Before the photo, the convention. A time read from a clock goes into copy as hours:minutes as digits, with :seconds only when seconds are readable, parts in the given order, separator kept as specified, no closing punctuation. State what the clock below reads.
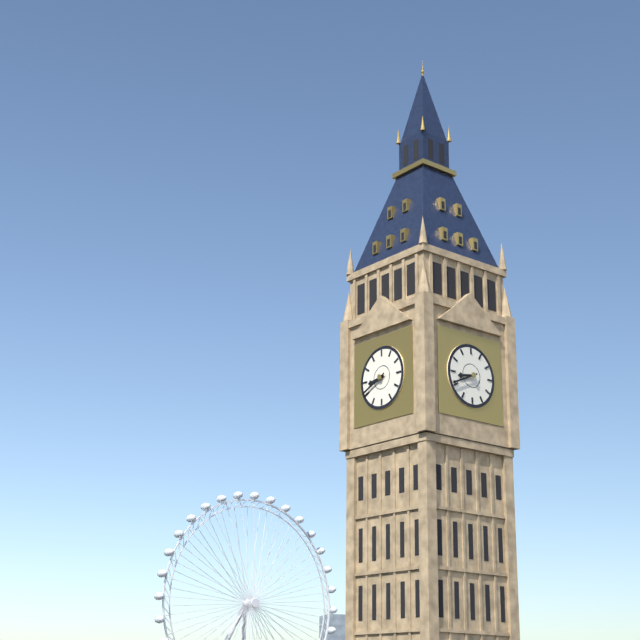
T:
8:41
